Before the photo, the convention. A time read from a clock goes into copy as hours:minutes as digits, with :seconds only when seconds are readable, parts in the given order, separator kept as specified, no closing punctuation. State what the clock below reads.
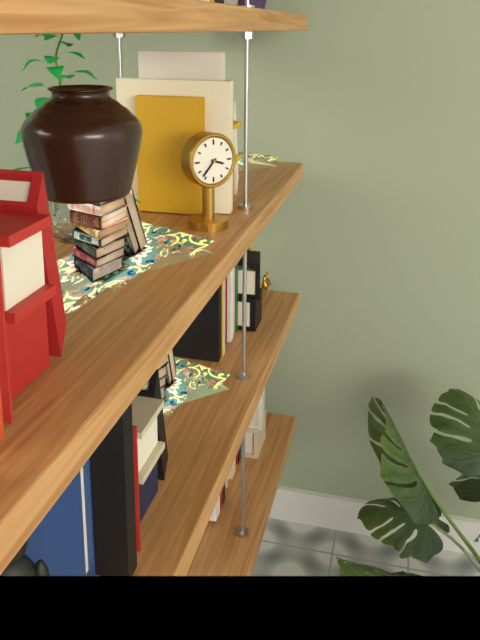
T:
3:37
